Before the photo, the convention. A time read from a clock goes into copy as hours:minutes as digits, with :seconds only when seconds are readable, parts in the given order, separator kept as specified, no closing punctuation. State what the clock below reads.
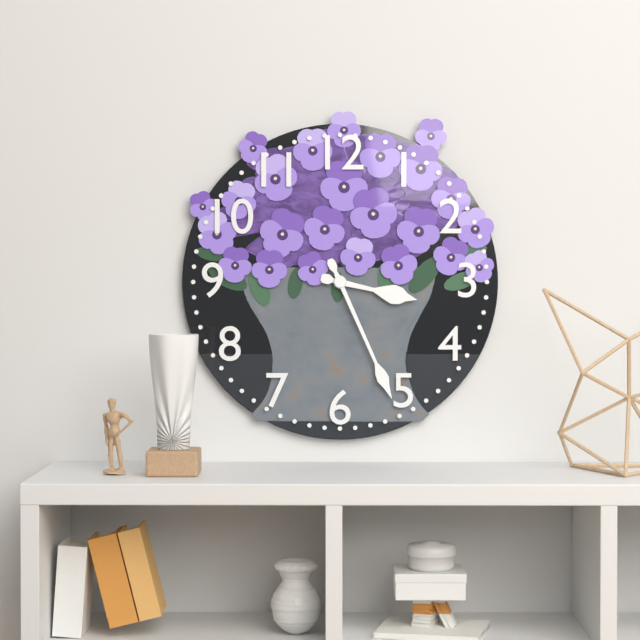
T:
3:26
